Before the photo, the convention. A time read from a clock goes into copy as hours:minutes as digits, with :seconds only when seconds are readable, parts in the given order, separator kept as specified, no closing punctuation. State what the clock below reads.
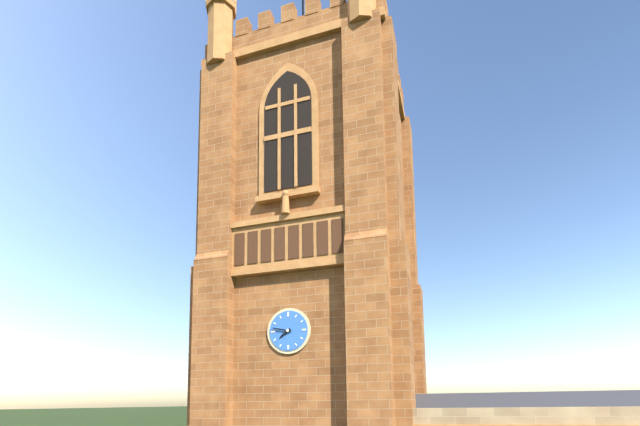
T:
7:47
